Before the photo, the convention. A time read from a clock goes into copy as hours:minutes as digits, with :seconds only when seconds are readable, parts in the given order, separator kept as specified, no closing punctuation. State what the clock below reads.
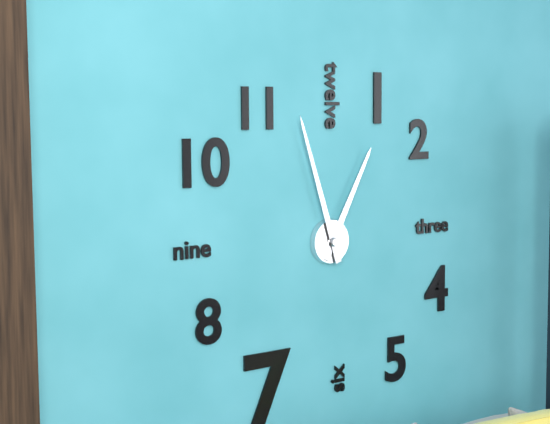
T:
12:57
